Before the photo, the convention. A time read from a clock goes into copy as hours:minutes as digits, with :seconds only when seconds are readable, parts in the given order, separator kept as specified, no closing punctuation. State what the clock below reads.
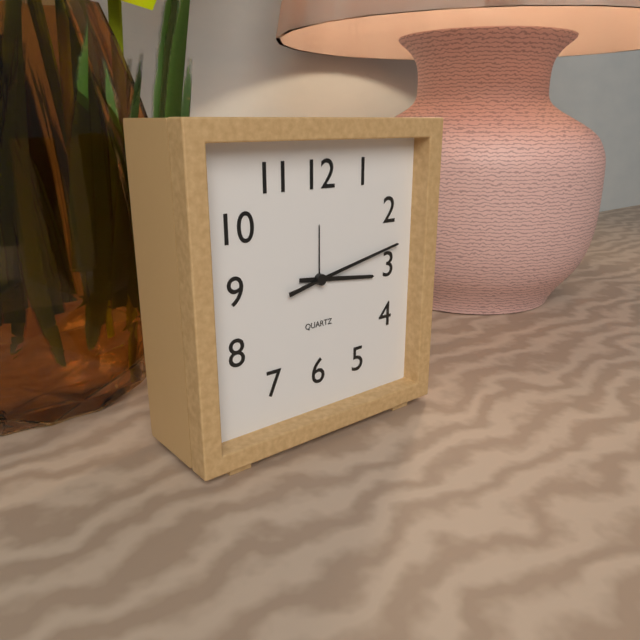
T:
3:13:13
